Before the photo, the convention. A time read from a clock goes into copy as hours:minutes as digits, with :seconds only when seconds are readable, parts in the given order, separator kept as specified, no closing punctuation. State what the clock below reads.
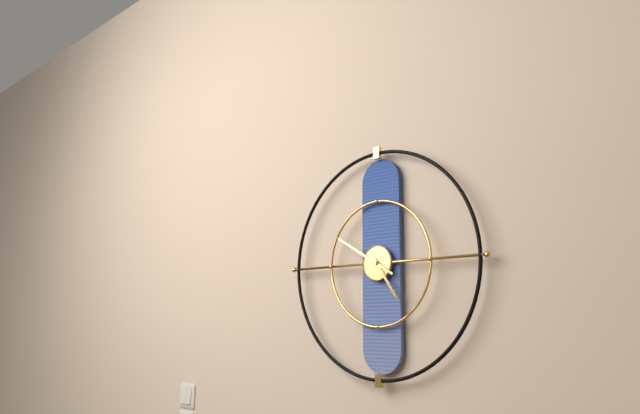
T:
4:50
